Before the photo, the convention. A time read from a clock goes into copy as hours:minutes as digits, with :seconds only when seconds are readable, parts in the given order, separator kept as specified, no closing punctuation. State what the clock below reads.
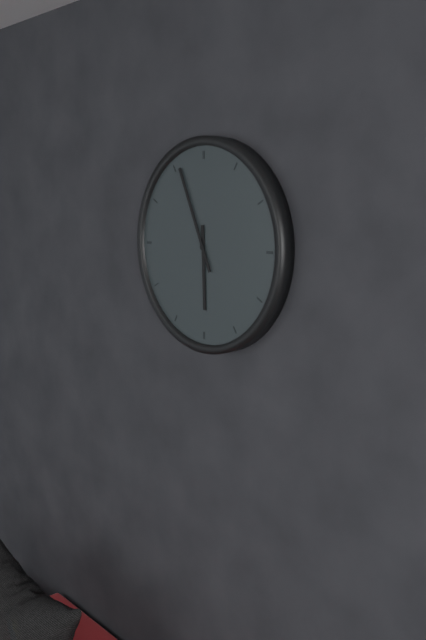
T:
5:56
